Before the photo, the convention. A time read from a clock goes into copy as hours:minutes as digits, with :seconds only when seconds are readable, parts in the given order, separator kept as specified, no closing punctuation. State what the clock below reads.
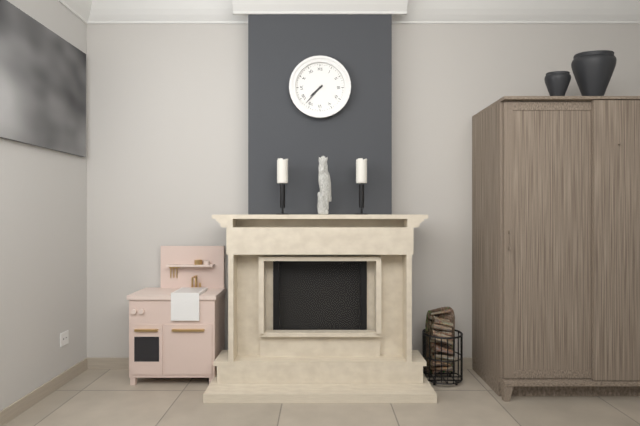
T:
7:37
